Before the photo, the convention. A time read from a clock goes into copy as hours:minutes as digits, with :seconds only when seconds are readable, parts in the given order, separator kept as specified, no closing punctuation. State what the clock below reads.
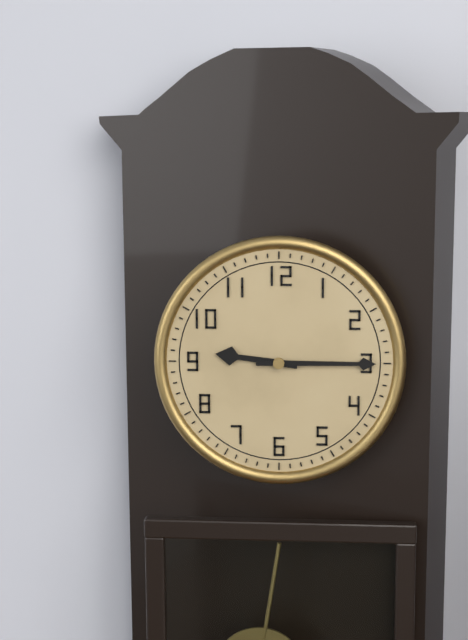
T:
9:15
